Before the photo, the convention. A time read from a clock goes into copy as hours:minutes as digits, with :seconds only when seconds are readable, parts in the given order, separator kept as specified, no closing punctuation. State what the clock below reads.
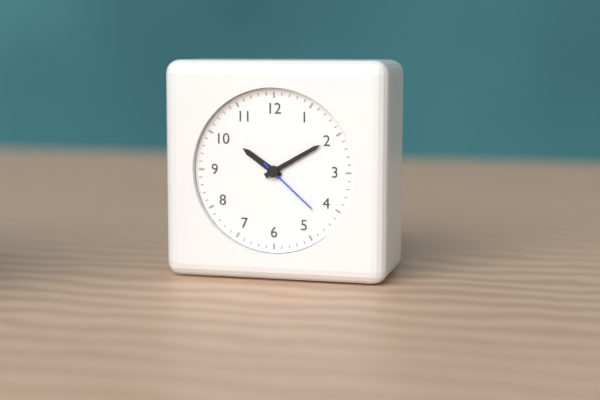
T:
10:10:22
